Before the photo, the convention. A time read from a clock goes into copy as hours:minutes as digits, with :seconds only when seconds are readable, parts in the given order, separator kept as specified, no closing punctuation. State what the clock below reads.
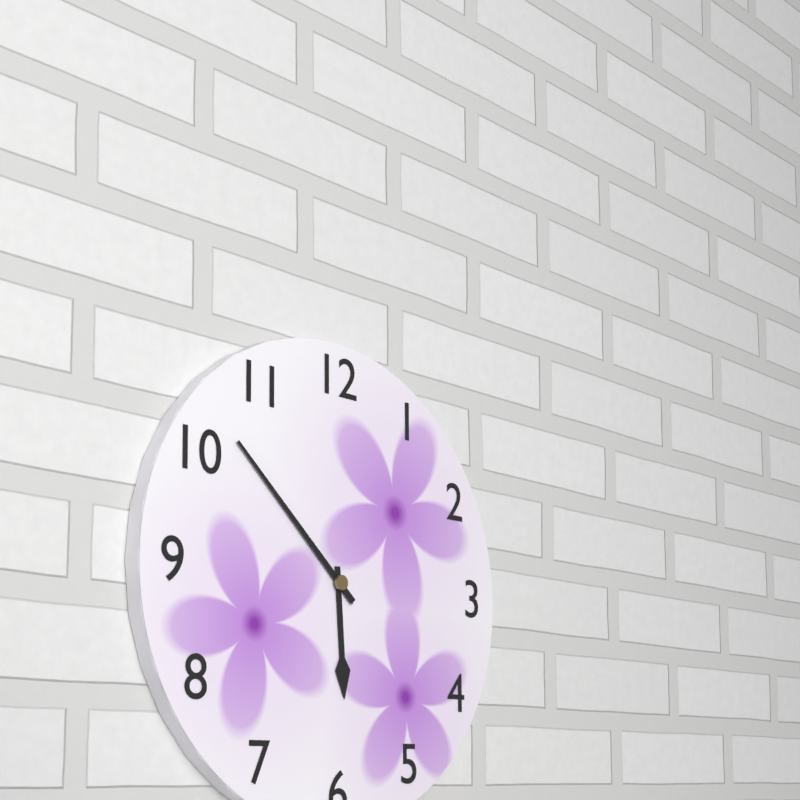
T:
5:52
